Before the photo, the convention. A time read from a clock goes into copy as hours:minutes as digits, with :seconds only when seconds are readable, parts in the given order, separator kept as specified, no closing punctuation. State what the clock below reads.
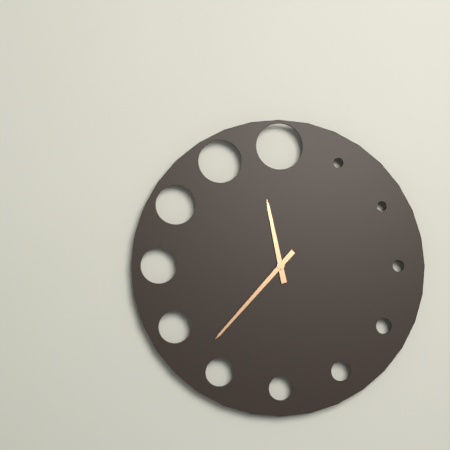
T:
11:37
